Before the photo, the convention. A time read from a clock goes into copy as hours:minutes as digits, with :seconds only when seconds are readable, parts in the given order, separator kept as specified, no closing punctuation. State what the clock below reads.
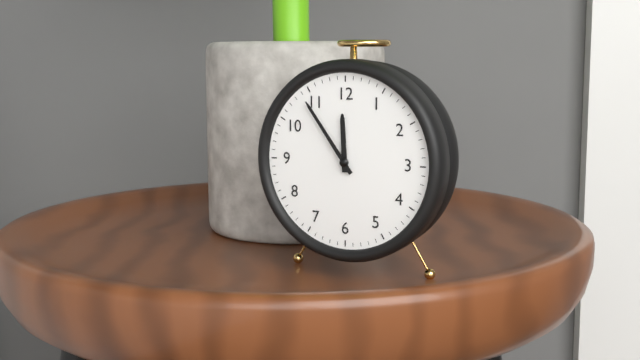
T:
11:54
